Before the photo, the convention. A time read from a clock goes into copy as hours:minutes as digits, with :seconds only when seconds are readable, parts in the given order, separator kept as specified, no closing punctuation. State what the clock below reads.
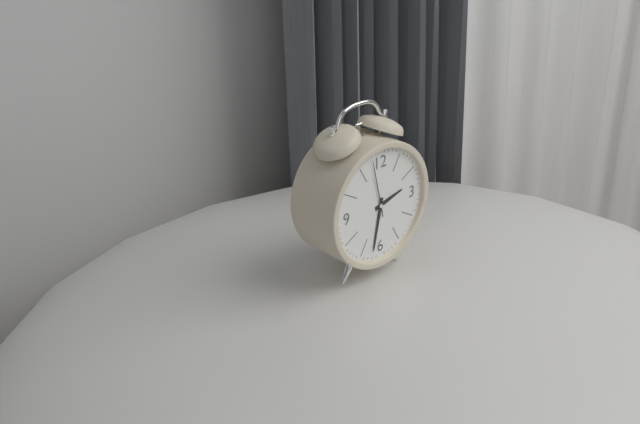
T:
2:32:58
